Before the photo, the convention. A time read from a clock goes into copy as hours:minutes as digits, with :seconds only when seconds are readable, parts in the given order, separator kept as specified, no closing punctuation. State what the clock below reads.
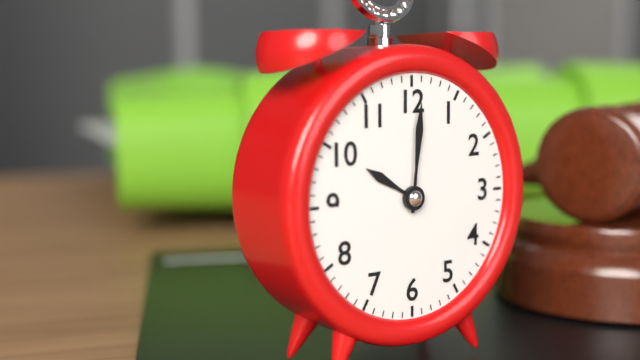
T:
10:01
